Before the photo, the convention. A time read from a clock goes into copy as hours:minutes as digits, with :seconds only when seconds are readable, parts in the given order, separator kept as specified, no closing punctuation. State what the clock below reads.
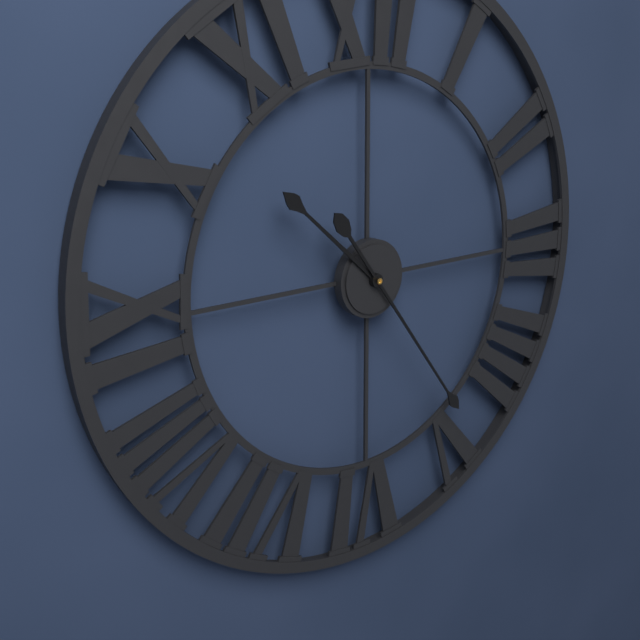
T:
10:24
